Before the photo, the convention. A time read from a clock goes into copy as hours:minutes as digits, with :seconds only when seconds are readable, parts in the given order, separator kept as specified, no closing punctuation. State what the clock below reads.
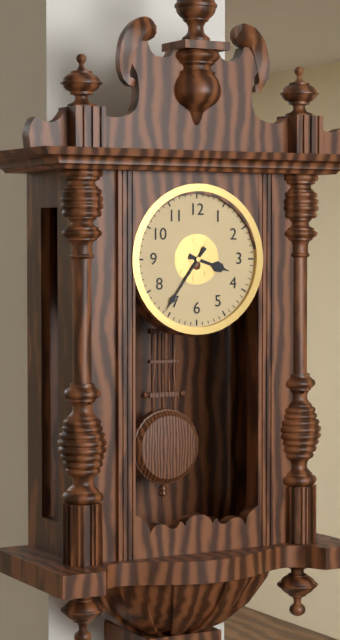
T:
3:36
